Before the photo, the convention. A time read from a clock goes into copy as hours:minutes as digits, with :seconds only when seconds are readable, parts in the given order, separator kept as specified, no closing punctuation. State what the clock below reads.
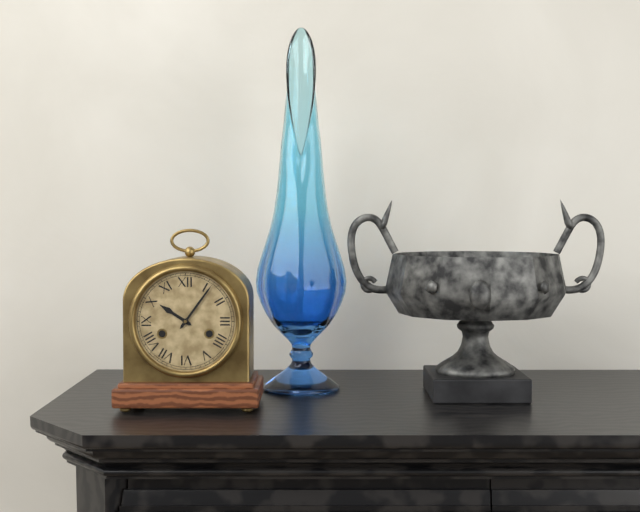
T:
10:06
